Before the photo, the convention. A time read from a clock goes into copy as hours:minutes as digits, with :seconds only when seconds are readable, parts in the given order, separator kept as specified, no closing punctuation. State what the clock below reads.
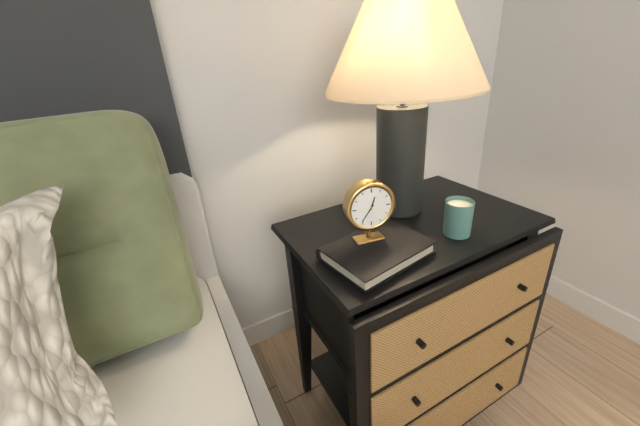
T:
12:36
